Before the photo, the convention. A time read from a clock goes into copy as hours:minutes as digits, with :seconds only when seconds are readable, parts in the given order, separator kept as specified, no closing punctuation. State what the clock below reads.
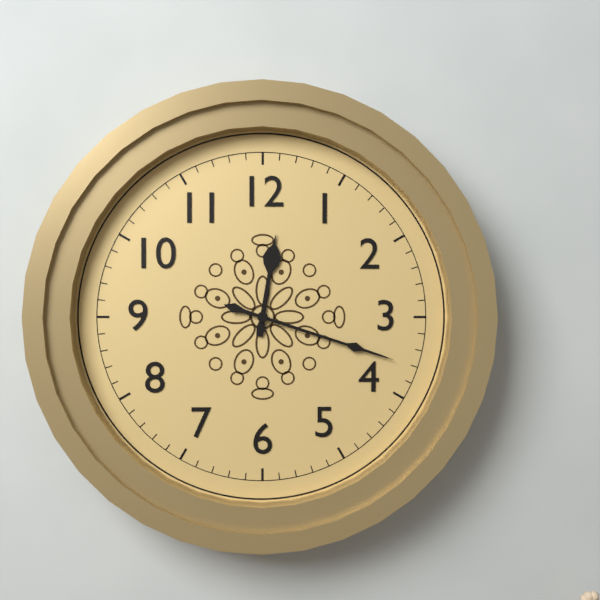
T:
12:18
